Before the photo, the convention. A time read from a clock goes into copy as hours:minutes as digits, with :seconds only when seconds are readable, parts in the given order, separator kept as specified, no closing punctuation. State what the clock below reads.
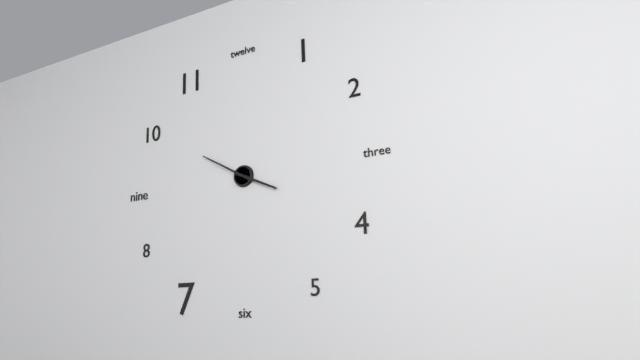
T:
3:50
